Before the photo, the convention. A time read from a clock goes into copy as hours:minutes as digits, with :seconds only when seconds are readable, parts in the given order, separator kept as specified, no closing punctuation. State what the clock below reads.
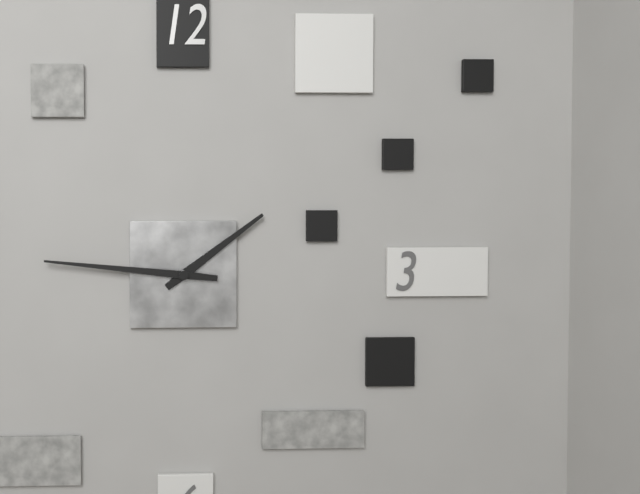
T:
1:46
